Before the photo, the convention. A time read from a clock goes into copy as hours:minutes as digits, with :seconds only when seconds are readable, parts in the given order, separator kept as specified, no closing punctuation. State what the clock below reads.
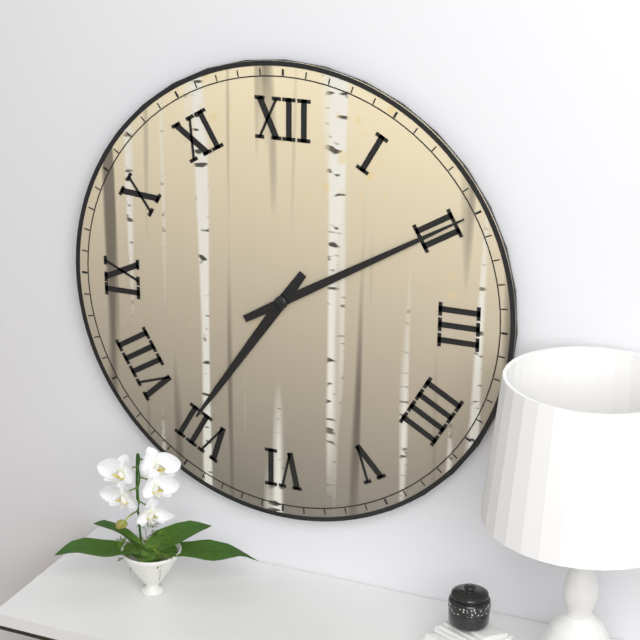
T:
7:10
